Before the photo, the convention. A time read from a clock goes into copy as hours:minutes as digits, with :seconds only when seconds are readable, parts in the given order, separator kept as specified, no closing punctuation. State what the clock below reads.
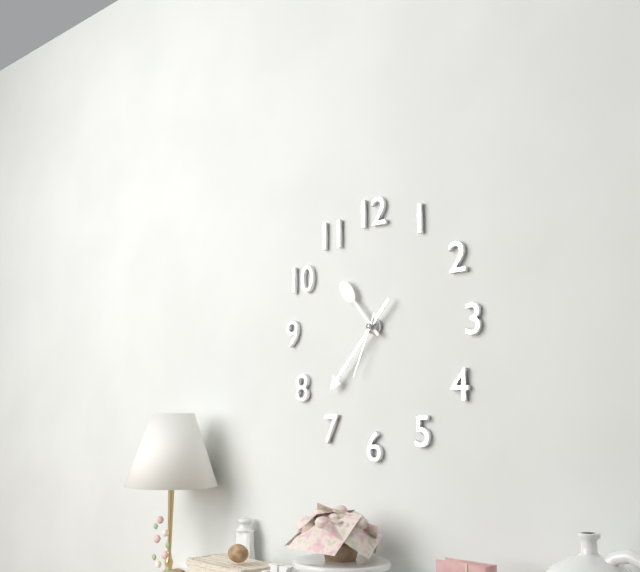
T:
10:37:34
